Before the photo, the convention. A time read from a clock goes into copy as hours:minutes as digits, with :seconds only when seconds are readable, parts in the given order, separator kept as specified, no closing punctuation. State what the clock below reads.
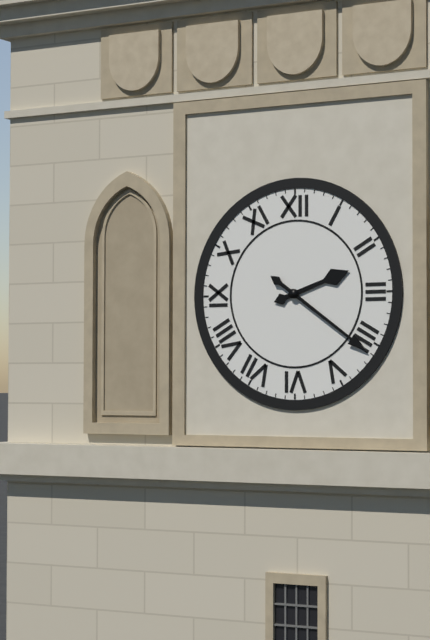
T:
2:21
